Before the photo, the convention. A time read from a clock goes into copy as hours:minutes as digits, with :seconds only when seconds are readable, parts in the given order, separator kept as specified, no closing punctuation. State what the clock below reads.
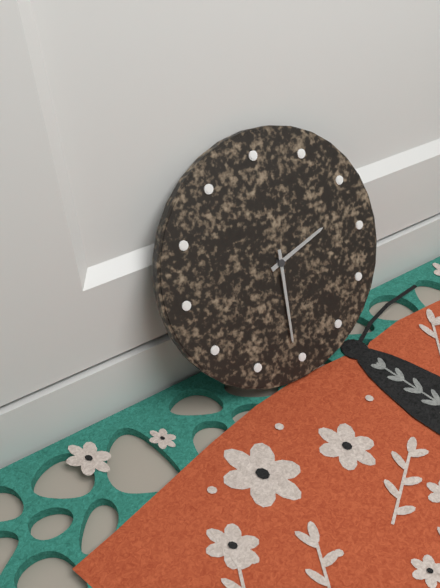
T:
2:31
